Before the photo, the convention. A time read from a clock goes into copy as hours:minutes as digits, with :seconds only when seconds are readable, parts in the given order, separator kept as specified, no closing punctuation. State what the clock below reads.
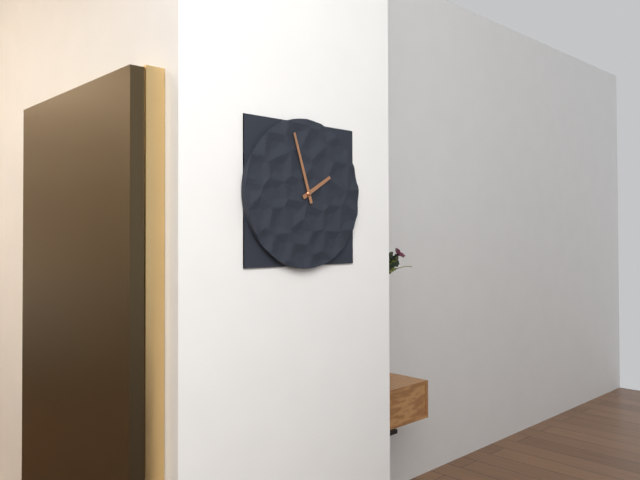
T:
1:57
